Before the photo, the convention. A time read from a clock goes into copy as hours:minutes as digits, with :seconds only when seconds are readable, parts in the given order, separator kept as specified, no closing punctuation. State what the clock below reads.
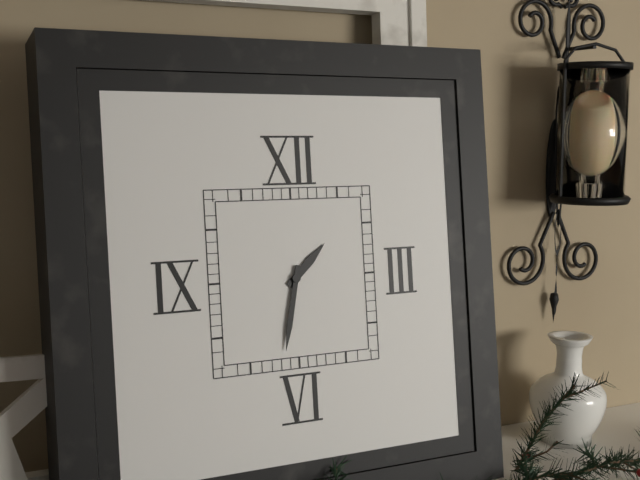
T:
1:32
